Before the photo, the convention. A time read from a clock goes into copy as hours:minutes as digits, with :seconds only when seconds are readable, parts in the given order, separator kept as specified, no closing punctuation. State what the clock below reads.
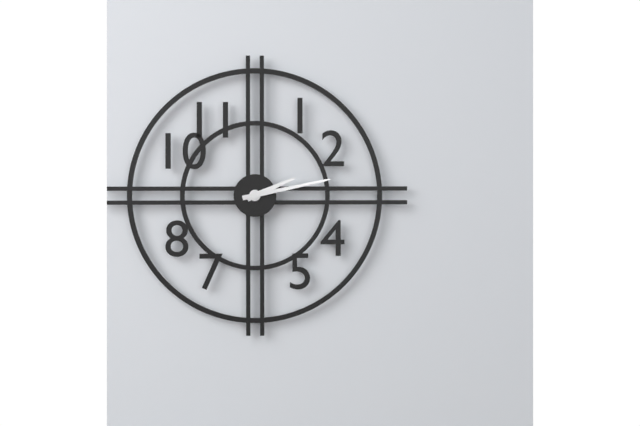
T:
2:13
